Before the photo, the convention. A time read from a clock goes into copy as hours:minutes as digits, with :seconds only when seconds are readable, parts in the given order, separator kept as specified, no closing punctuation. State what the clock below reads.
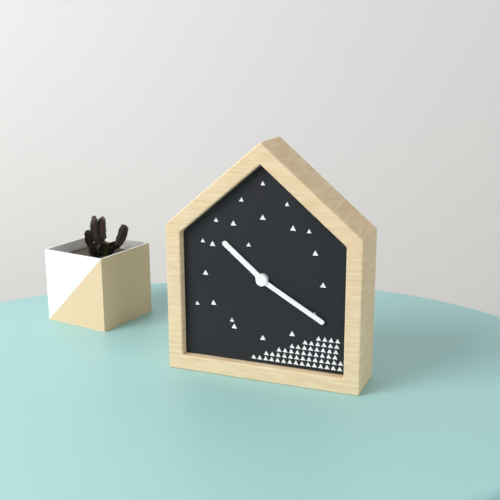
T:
10:20
